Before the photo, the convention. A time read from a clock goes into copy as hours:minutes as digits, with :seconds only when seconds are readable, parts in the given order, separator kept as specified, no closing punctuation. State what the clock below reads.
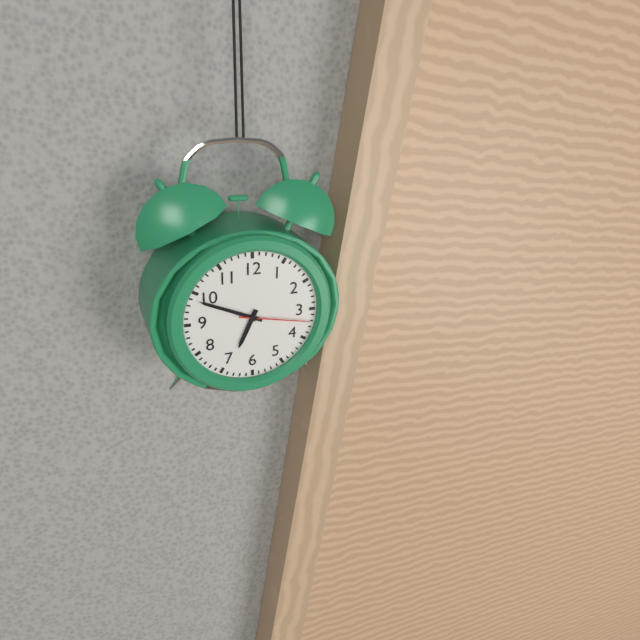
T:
6:49:17
